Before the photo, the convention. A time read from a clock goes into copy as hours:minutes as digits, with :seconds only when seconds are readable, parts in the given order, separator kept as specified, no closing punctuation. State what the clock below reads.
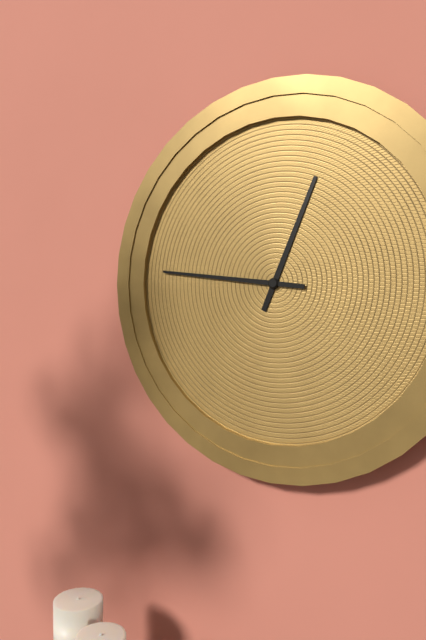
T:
12:46
